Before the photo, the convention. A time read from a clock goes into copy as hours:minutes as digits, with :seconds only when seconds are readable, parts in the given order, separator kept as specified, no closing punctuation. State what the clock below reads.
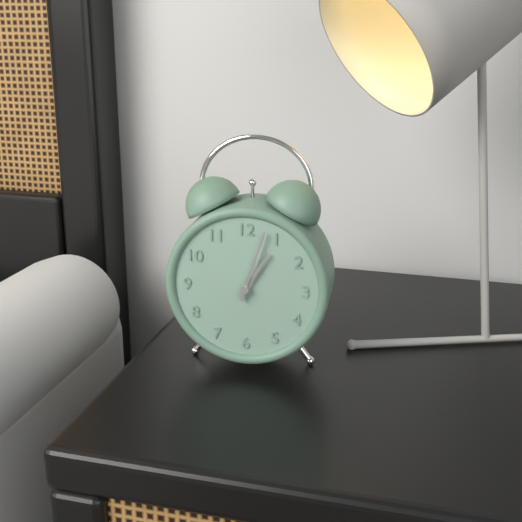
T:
1:03
